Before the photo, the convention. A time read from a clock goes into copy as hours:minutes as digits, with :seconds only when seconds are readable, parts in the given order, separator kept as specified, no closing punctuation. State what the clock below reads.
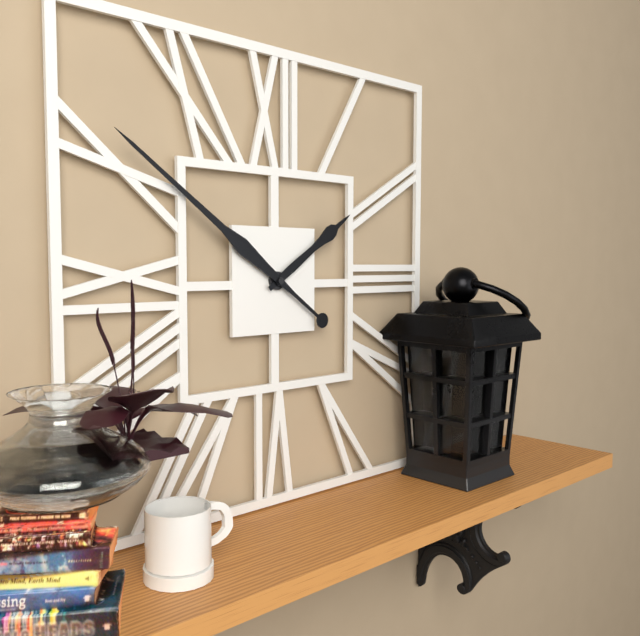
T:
1:51
